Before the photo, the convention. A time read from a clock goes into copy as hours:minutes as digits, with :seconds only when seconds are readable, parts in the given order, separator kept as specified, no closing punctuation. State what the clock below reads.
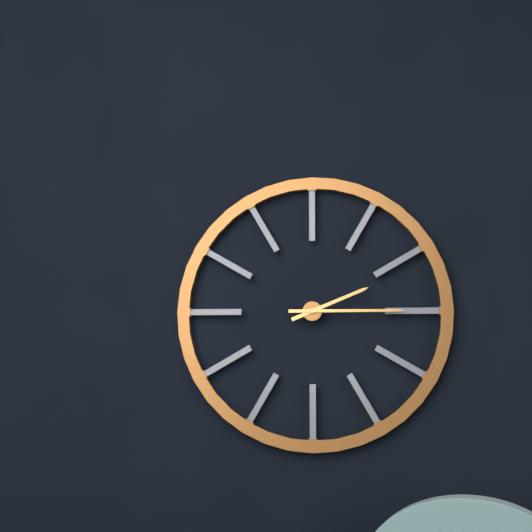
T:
2:15
